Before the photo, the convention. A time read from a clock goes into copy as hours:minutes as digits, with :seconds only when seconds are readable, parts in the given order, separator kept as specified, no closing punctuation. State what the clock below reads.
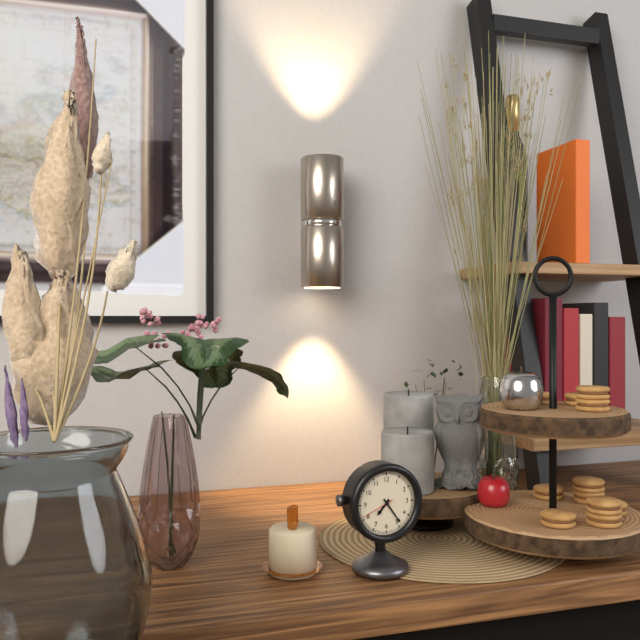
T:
7:24
